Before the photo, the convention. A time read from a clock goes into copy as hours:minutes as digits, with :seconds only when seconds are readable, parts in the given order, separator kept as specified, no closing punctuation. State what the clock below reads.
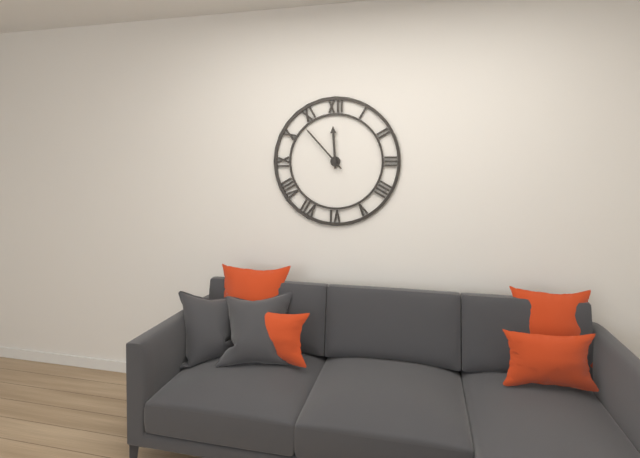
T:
11:53
